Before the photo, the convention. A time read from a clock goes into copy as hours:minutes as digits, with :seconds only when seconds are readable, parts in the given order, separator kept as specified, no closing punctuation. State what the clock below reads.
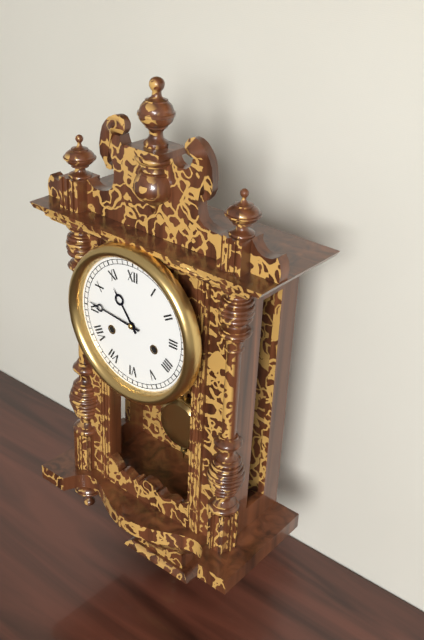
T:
10:46
